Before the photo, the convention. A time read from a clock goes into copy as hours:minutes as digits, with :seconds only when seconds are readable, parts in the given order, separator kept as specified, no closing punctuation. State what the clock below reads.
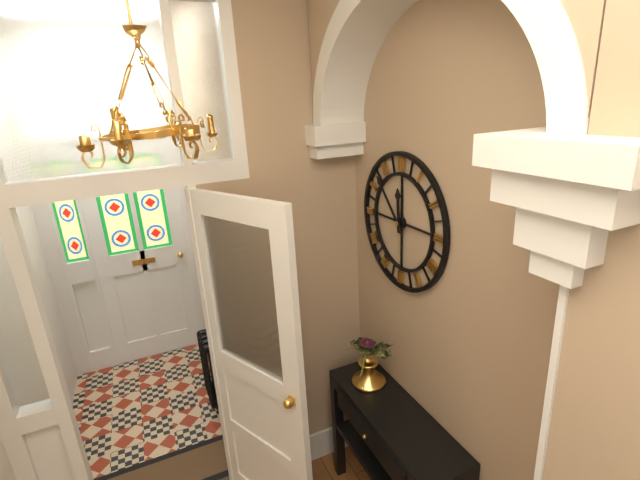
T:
11:53
